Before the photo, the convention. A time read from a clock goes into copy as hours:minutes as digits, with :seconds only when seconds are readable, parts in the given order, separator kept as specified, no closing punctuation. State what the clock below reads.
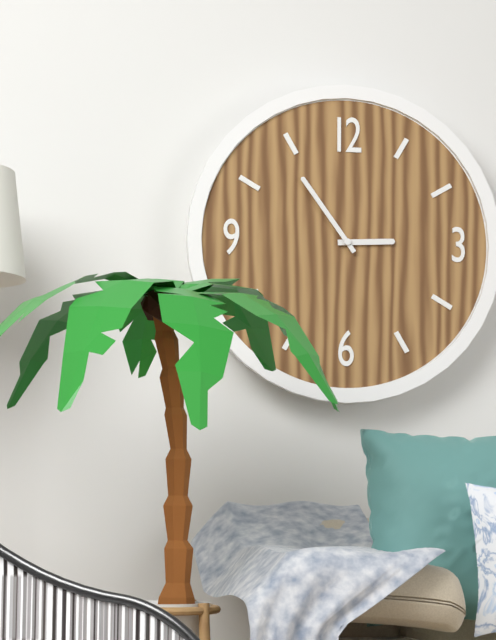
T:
2:54
